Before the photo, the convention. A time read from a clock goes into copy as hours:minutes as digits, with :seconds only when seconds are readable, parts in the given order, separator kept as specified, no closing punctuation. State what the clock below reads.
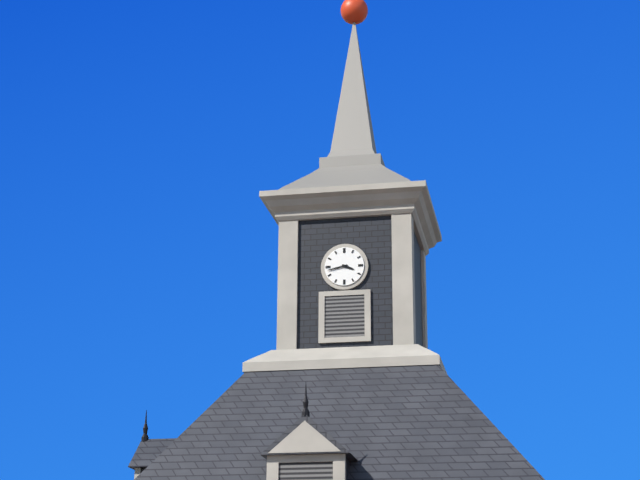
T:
3:43
